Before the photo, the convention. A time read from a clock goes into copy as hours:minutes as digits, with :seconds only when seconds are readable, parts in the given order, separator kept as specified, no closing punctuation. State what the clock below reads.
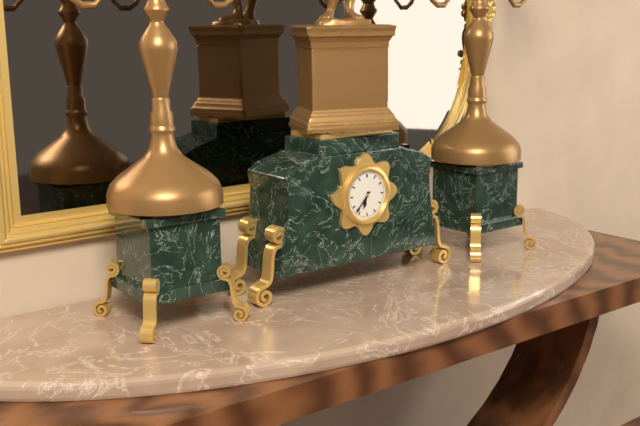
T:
6:37
